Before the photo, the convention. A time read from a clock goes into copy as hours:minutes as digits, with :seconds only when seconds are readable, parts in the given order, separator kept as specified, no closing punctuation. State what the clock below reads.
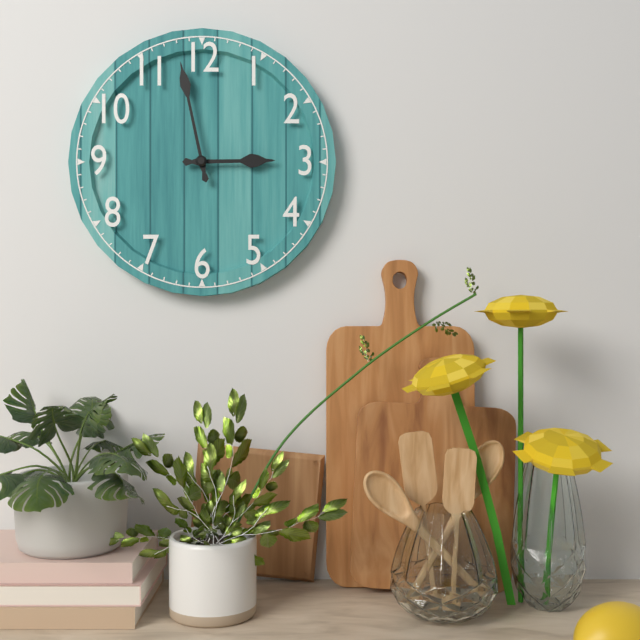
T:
2:58
